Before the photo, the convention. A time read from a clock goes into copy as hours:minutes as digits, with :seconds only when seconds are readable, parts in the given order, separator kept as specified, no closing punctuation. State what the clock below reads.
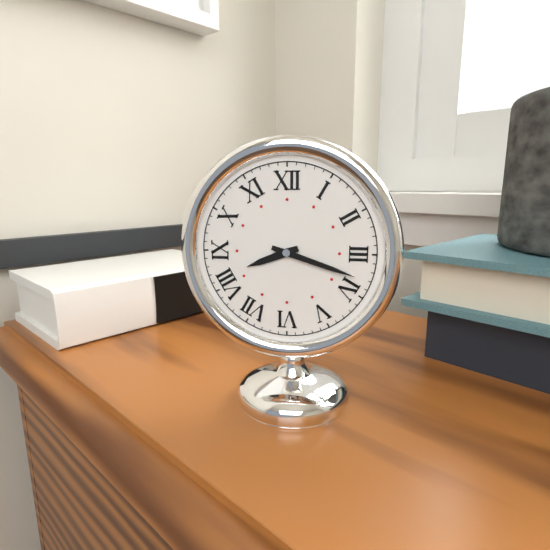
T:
8:18
